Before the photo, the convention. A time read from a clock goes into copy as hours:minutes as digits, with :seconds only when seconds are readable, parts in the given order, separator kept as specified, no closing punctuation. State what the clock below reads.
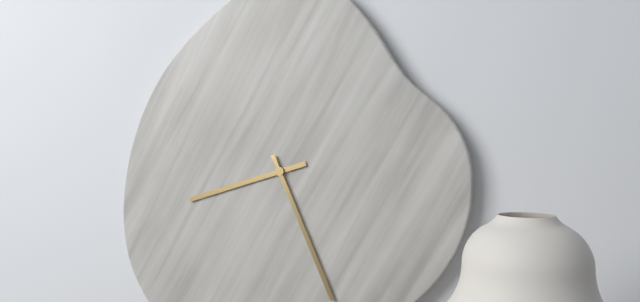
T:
8:26
